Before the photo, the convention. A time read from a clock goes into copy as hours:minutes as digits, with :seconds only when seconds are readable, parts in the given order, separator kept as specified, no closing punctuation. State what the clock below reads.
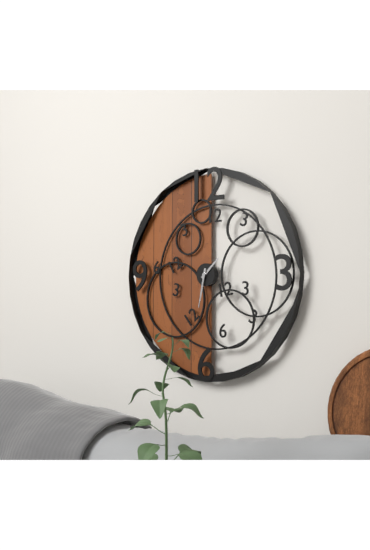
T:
1:32
